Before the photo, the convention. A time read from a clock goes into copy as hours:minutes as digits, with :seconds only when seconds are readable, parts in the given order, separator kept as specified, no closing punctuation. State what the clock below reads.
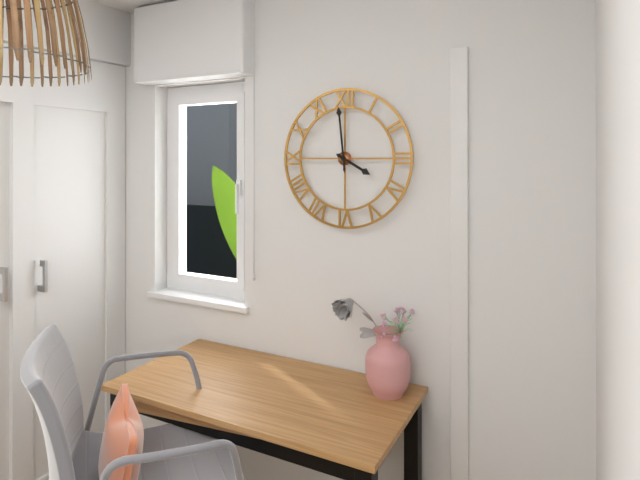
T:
3:59
